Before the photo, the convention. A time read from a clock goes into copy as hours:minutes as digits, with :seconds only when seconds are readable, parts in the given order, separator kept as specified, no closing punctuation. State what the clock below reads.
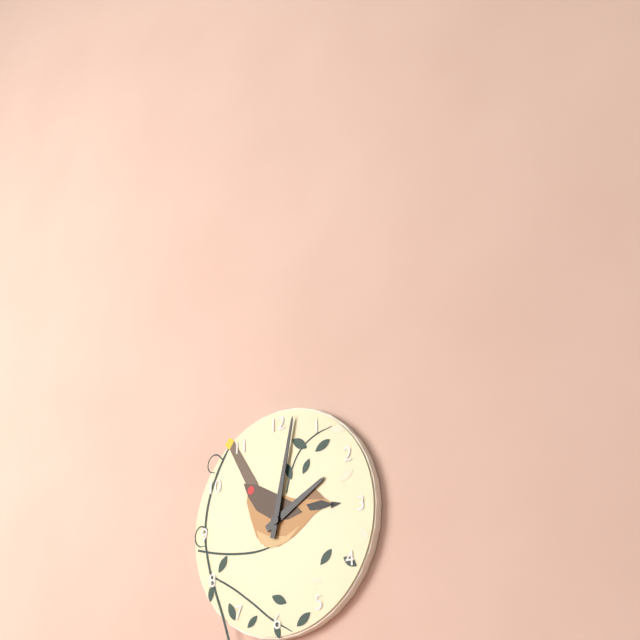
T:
2:02
